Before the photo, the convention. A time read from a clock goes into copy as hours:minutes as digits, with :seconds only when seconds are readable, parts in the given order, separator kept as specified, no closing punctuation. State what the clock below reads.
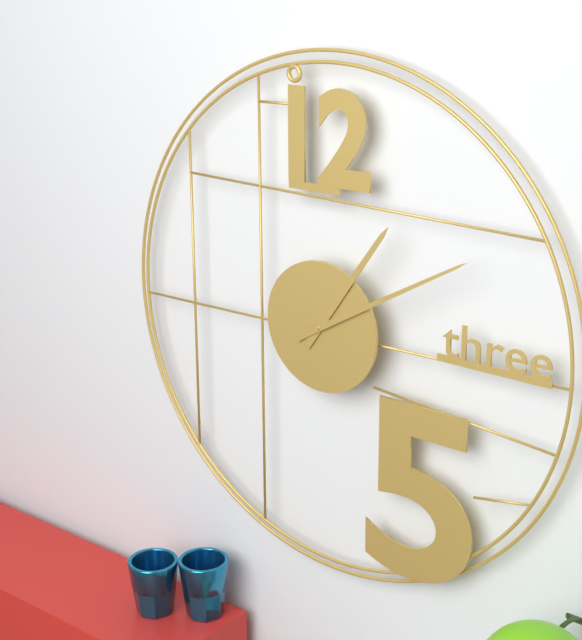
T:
1:10
